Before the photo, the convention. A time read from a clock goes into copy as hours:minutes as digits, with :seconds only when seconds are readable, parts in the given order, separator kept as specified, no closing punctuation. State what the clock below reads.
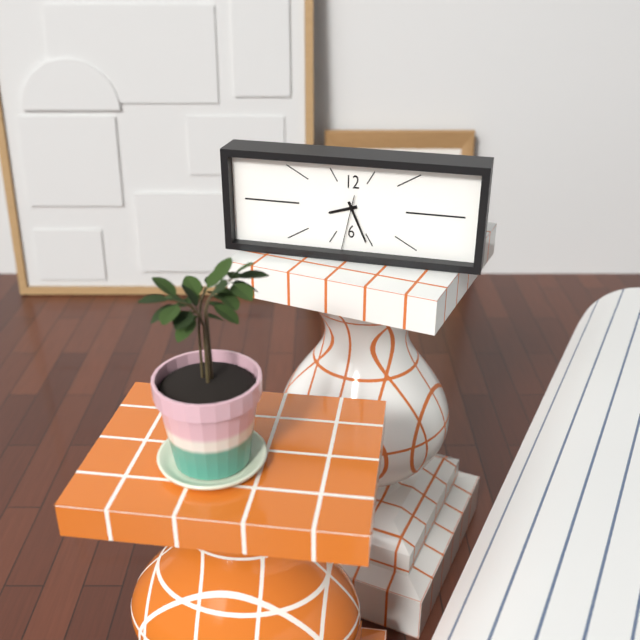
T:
8:26:32
